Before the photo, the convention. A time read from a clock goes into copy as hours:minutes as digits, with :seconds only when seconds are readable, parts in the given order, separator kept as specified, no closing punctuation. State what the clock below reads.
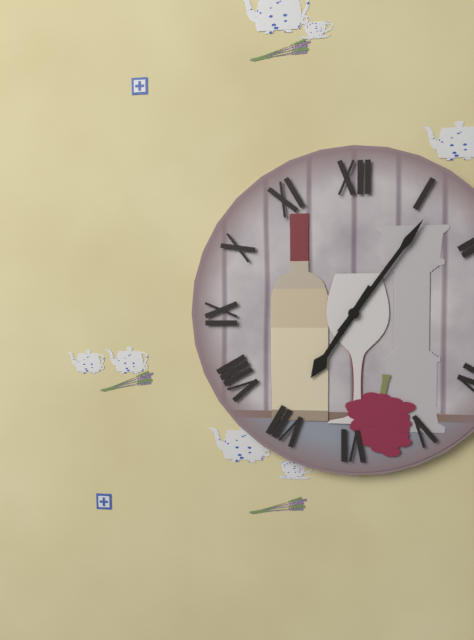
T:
7:06
